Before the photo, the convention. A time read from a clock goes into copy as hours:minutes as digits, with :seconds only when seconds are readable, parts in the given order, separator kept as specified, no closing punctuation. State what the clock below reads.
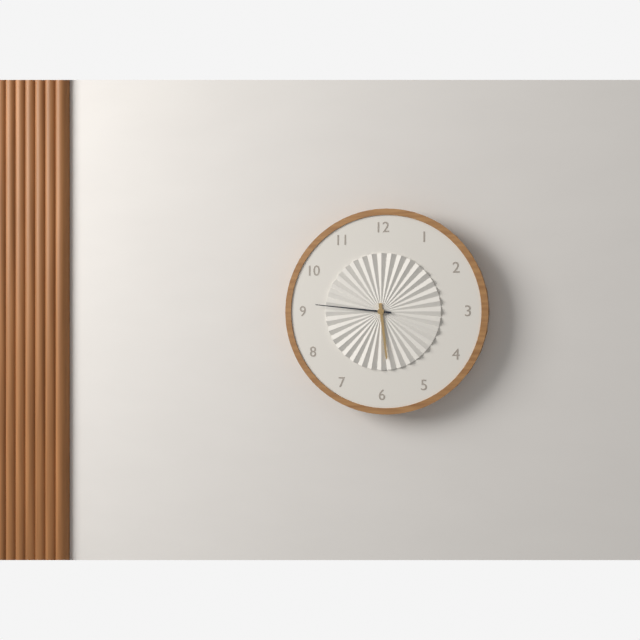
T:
5:46
